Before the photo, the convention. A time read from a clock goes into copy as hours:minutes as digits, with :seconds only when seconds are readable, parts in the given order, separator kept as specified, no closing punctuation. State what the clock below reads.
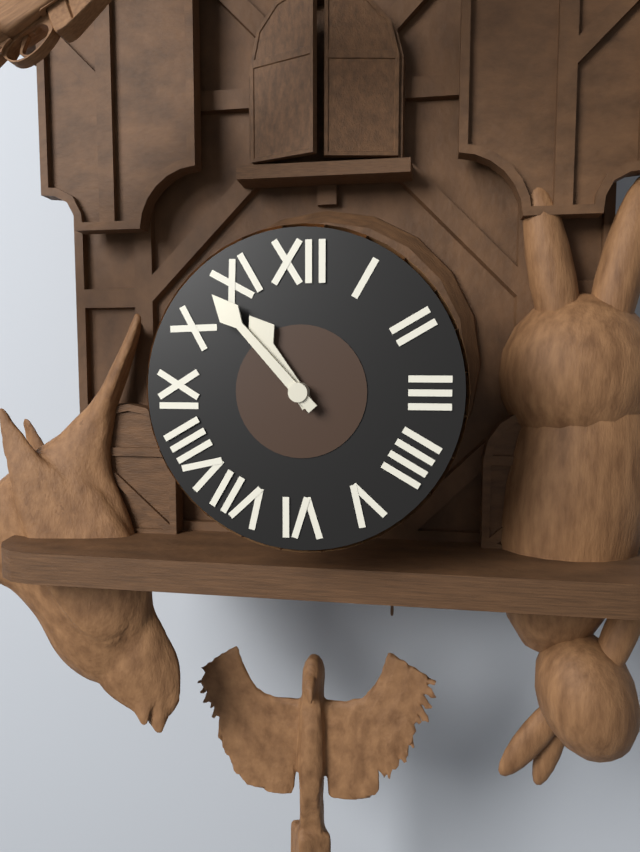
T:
10:53
